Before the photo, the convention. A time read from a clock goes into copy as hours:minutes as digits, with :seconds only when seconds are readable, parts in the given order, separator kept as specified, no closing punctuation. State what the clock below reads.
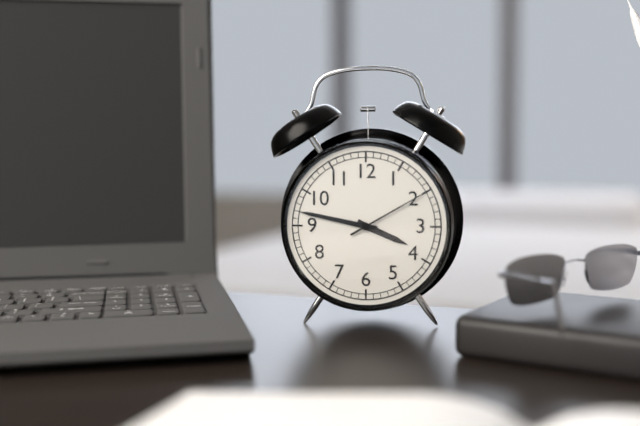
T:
3:47:10
